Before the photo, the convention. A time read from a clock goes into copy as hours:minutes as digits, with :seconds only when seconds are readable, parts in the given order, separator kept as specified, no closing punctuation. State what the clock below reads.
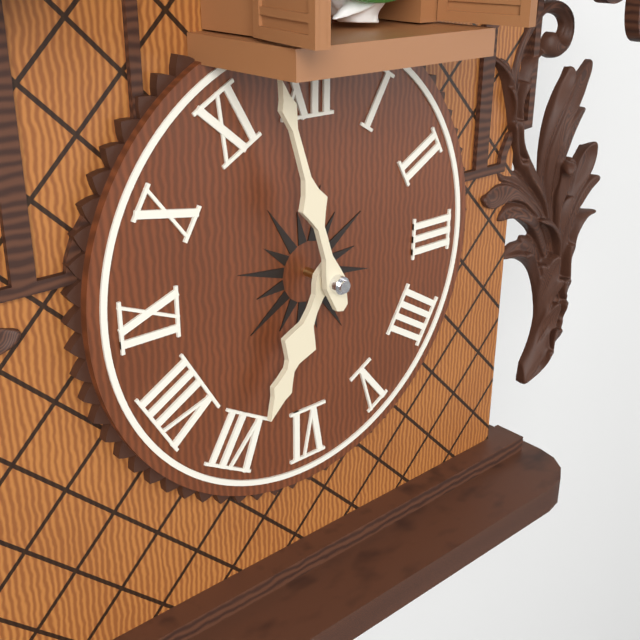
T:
6:57
